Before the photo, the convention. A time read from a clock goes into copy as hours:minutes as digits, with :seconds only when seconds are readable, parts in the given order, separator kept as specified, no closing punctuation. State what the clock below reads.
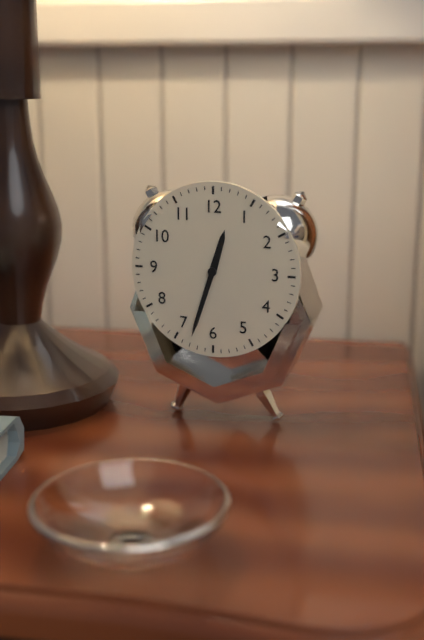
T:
12:33
